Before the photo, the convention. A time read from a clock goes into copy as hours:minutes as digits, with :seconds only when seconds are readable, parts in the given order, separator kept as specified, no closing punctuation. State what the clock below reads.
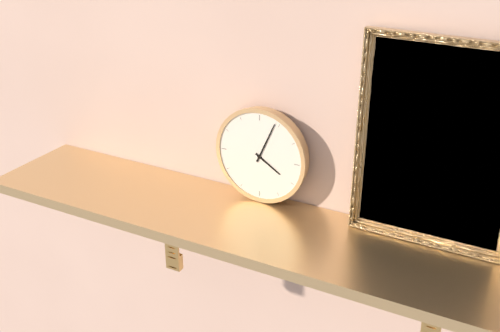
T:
4:04
